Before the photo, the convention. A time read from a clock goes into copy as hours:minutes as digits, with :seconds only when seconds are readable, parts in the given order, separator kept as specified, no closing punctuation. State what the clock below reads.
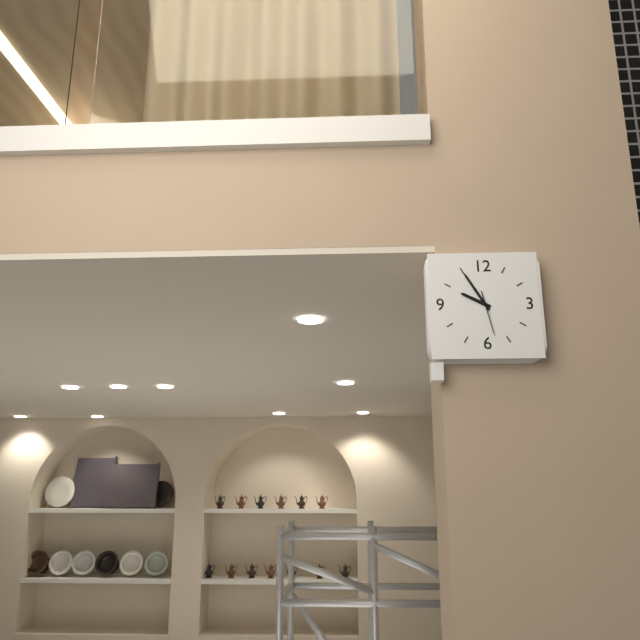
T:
9:55
